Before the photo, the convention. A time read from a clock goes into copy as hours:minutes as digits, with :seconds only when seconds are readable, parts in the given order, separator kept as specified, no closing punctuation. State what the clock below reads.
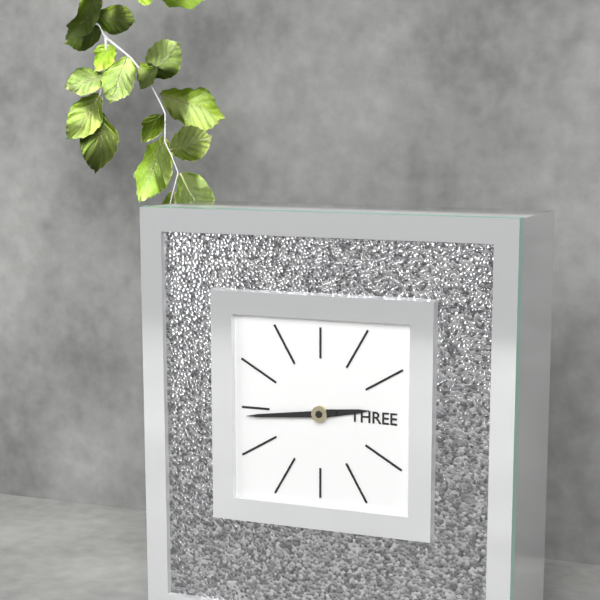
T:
2:44
